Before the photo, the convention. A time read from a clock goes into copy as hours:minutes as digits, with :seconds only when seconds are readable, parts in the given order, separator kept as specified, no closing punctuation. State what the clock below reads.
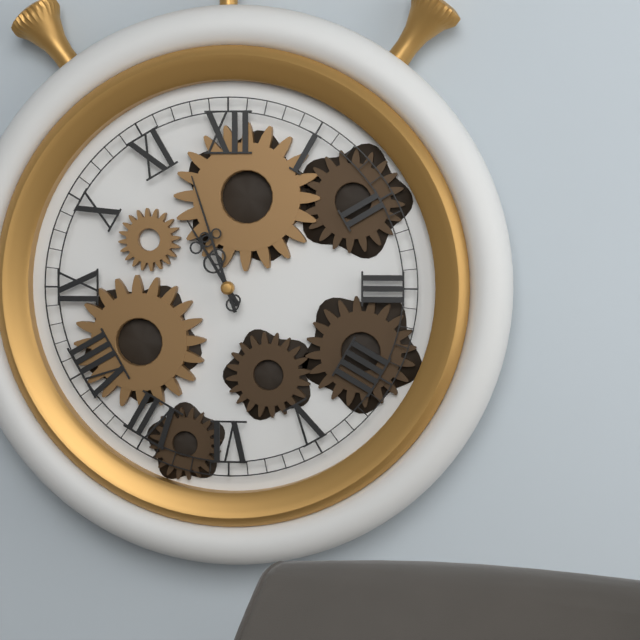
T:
10:57
